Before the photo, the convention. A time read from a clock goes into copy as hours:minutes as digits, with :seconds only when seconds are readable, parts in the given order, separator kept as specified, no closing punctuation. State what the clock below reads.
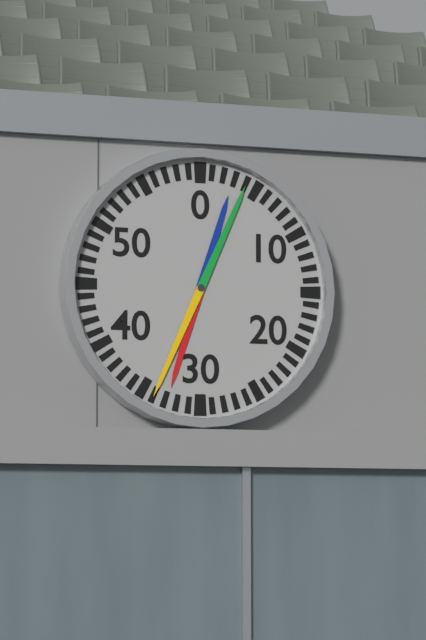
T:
6:34
